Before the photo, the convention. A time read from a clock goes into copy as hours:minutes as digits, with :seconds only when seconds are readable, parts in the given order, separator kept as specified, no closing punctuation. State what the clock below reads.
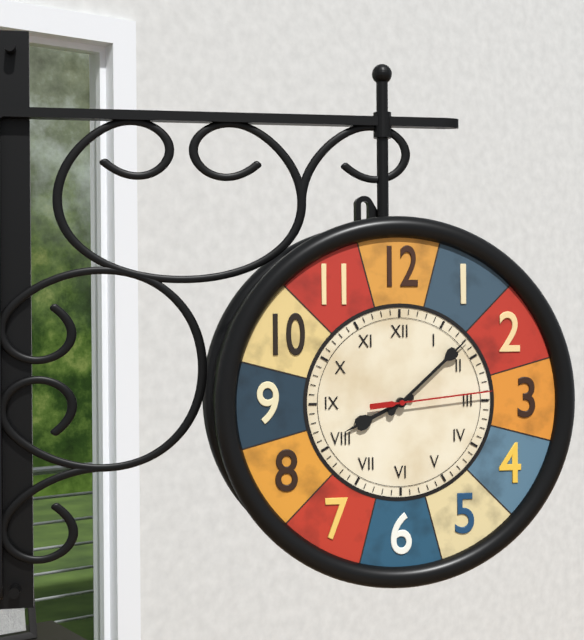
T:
8:08:14
